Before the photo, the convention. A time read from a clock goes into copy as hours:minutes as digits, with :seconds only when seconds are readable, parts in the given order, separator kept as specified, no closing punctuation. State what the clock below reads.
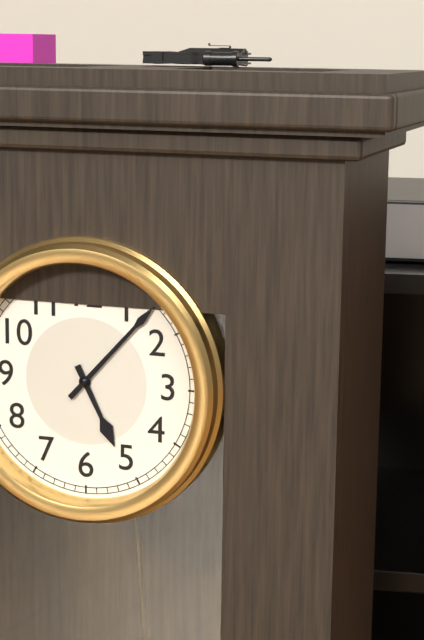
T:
5:07
